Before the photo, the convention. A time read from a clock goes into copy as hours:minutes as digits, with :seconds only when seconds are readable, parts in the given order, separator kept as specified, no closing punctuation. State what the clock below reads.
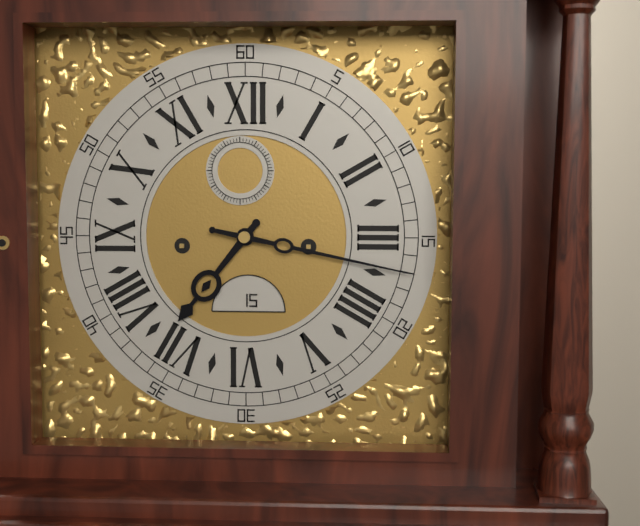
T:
7:17
